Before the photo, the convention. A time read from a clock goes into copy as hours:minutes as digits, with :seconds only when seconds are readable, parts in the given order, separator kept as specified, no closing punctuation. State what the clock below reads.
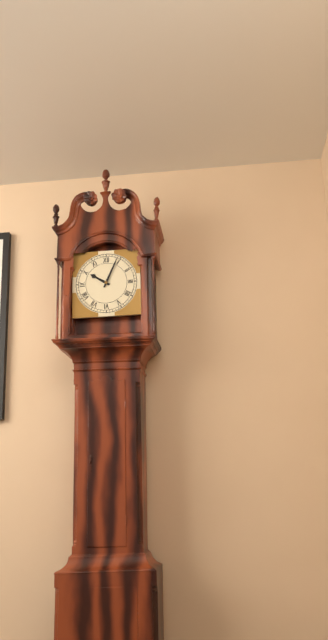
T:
10:04
